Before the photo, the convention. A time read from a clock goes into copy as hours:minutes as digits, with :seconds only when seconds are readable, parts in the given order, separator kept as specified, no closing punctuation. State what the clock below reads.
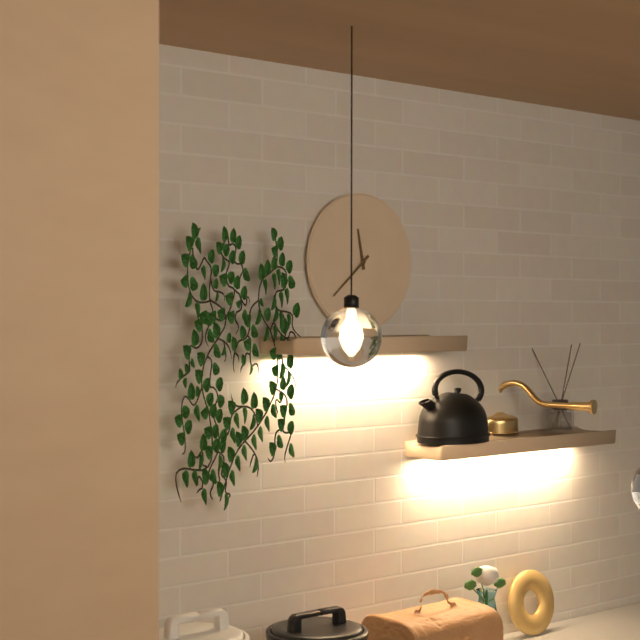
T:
11:38
